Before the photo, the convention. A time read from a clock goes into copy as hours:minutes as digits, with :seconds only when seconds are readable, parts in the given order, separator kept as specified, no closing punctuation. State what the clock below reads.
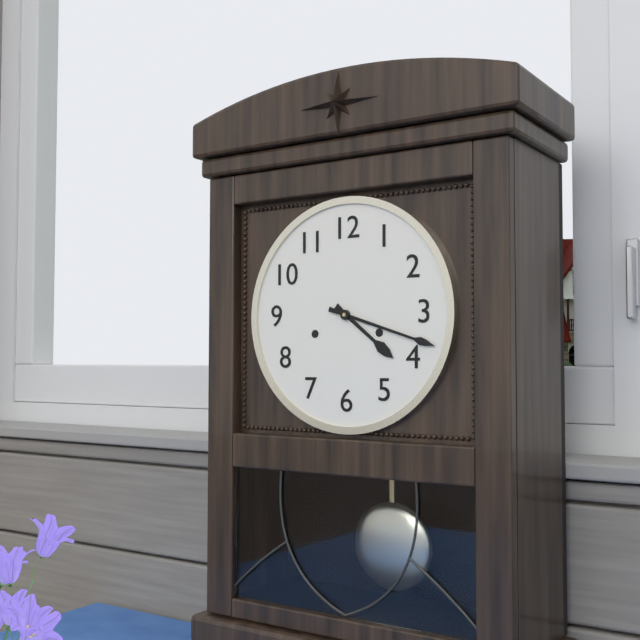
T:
4:18
